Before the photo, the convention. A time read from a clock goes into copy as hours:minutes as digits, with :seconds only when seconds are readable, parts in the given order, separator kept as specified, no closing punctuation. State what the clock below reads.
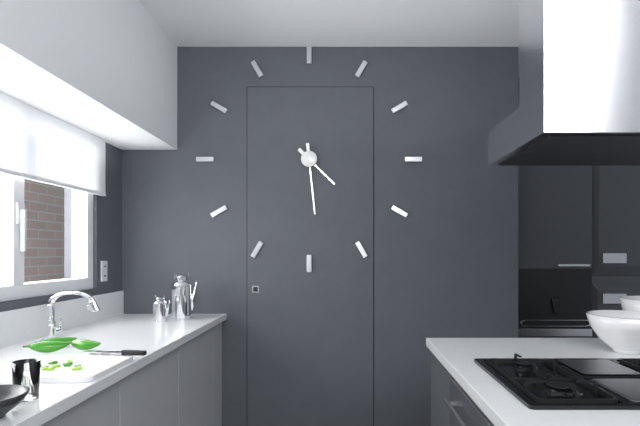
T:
4:29
